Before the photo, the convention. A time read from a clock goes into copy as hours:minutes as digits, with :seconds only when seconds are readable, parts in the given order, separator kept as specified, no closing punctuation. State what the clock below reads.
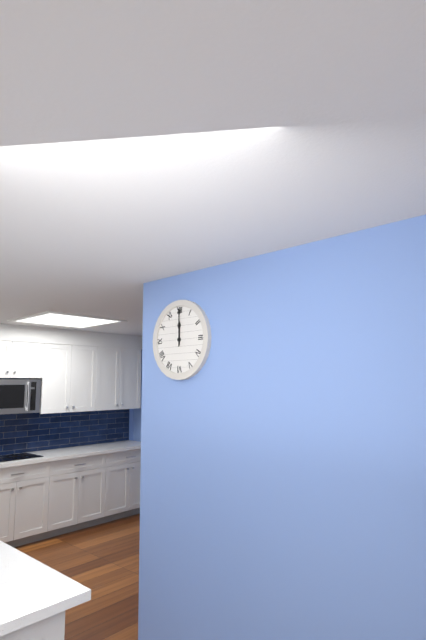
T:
12:00
